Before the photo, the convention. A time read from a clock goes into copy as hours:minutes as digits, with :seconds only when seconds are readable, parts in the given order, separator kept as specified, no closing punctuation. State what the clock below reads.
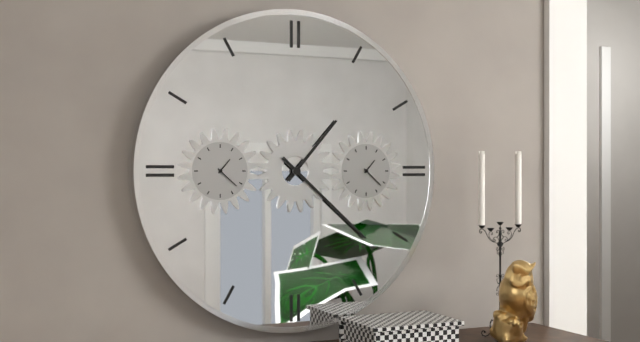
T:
1:22
